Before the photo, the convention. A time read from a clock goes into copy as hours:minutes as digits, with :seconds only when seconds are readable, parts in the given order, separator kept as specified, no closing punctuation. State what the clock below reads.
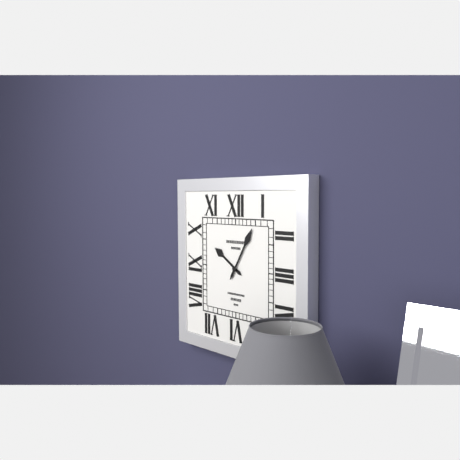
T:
10:05
